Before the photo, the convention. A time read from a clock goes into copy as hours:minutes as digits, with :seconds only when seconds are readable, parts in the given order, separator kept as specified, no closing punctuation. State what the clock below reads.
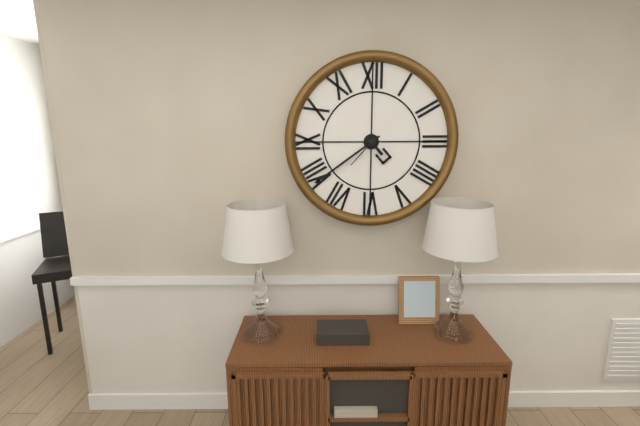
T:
4:39
